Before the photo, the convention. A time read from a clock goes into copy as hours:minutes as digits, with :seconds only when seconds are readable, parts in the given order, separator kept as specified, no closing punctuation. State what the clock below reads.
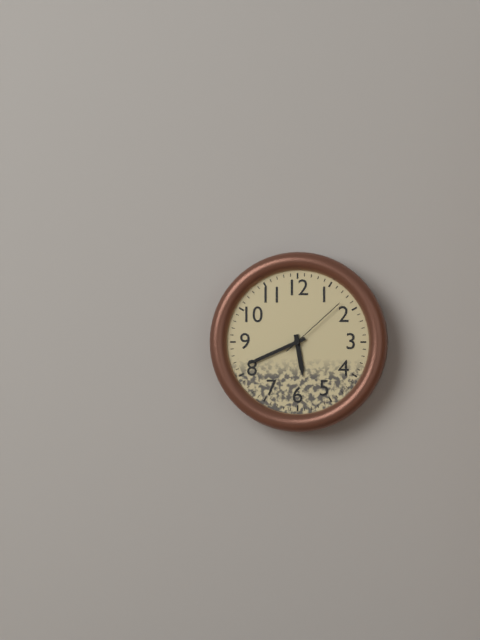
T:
5:41:08
